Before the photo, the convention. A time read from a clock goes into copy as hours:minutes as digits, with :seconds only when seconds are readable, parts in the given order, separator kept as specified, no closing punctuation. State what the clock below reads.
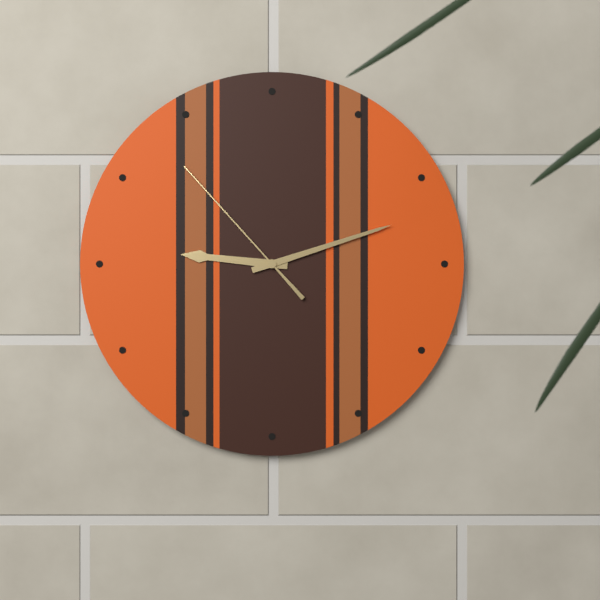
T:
9:12:53
